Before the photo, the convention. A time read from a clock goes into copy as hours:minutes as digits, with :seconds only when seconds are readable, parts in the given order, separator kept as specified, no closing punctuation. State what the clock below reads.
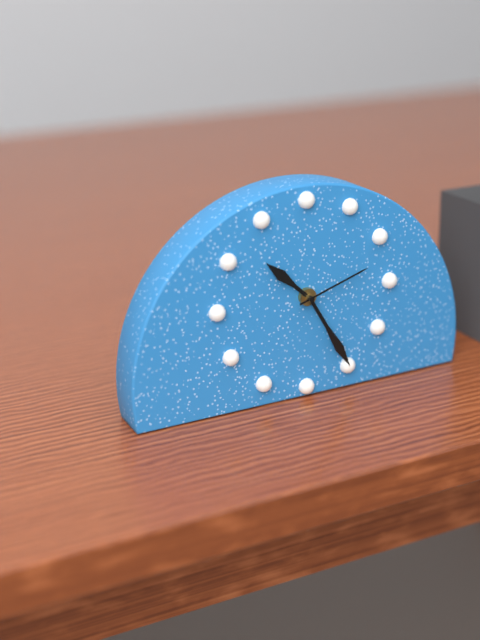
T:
10:25:12
